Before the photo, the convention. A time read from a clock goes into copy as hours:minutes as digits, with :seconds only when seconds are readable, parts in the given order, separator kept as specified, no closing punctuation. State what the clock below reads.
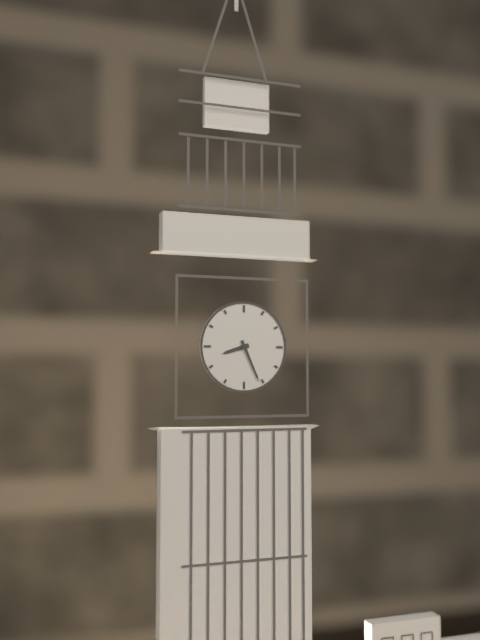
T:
8:26
